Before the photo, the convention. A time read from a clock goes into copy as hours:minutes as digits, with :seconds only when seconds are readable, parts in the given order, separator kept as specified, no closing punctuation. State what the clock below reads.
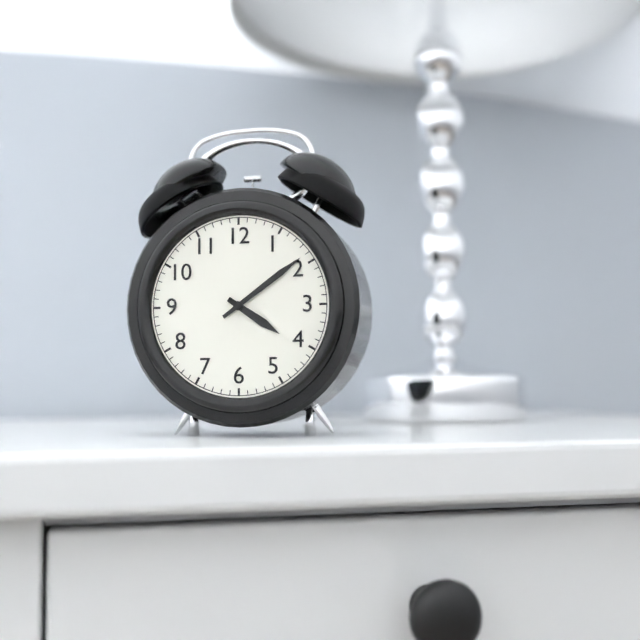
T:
4:09
